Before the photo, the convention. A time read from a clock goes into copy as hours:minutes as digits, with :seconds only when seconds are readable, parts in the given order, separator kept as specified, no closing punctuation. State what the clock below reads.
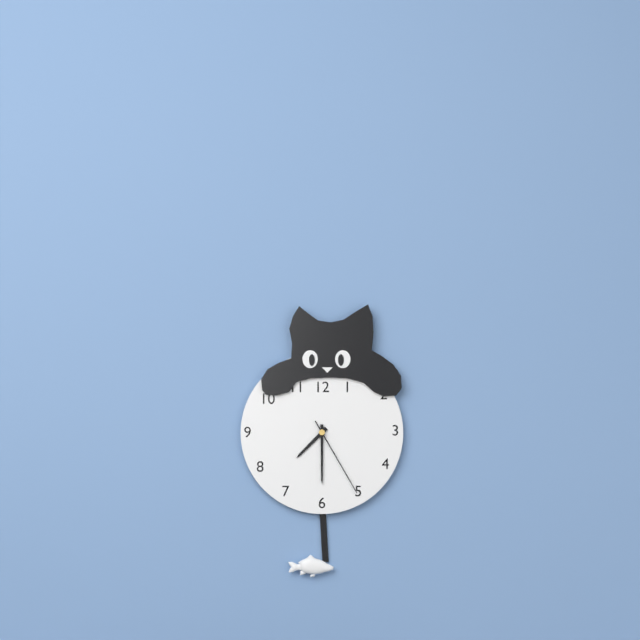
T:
7:30:25
